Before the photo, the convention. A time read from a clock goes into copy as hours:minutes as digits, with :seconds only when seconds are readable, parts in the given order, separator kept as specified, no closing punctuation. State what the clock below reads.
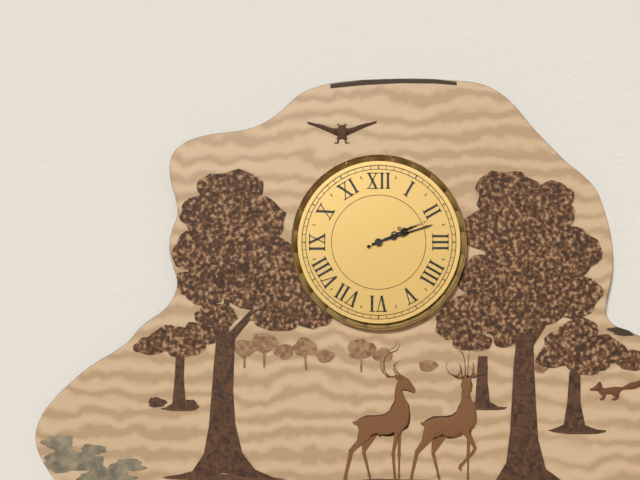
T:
2:12:11
